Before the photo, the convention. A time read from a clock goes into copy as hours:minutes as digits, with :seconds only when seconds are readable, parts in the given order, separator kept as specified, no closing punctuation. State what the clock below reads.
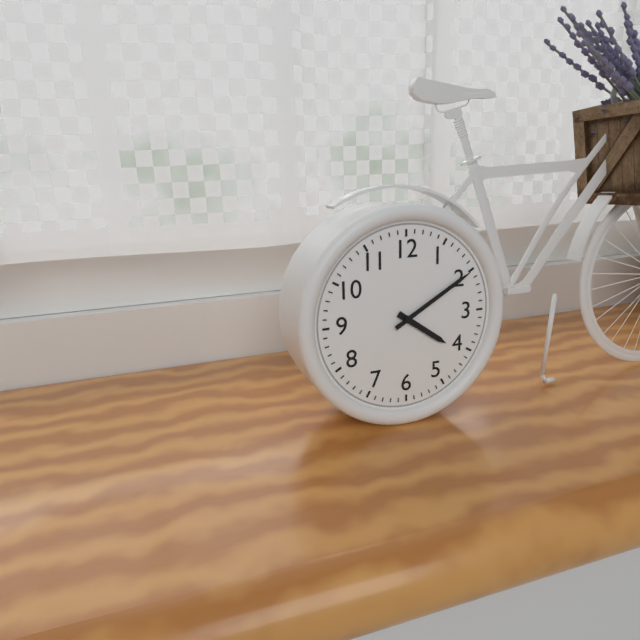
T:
4:10
